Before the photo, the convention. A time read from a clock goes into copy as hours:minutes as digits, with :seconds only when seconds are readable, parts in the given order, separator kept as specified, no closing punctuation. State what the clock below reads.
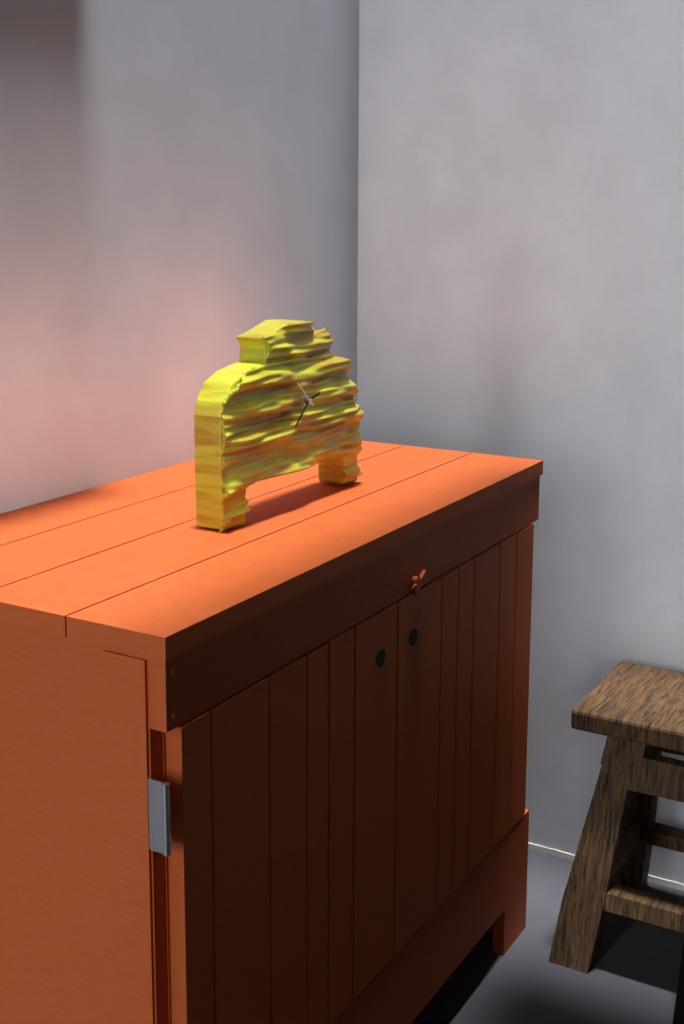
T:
2:38
